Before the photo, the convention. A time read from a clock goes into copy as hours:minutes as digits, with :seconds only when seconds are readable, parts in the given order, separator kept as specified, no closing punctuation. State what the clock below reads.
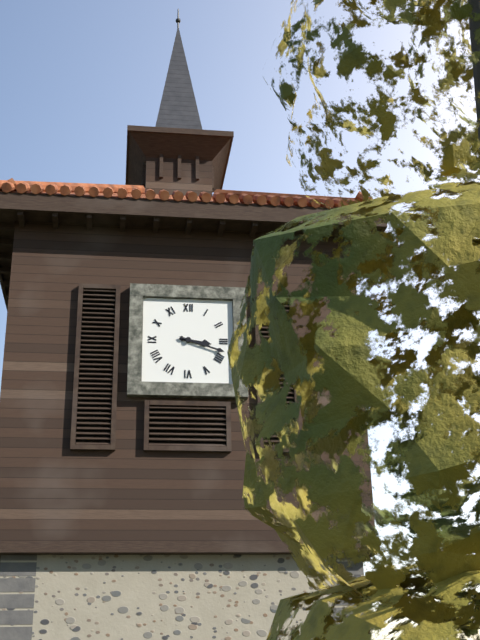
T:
3:18
